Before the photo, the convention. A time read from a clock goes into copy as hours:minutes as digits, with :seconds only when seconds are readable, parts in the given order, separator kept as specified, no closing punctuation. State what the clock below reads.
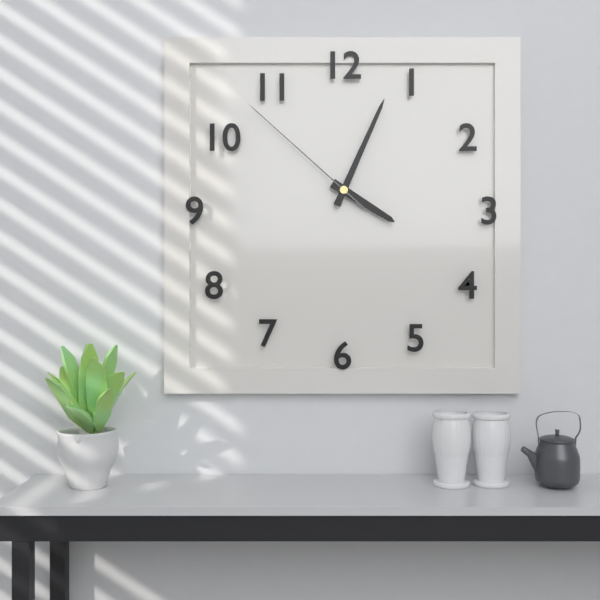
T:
4:04:52
